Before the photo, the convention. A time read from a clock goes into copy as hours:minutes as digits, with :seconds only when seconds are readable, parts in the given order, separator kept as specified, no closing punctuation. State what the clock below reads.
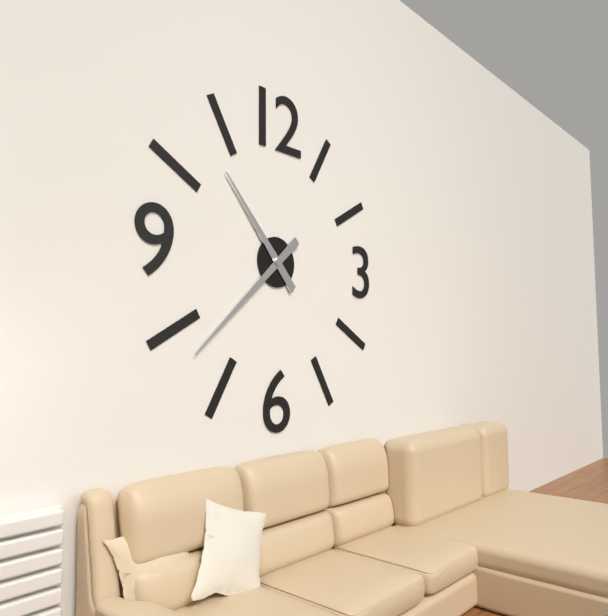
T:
10:38
